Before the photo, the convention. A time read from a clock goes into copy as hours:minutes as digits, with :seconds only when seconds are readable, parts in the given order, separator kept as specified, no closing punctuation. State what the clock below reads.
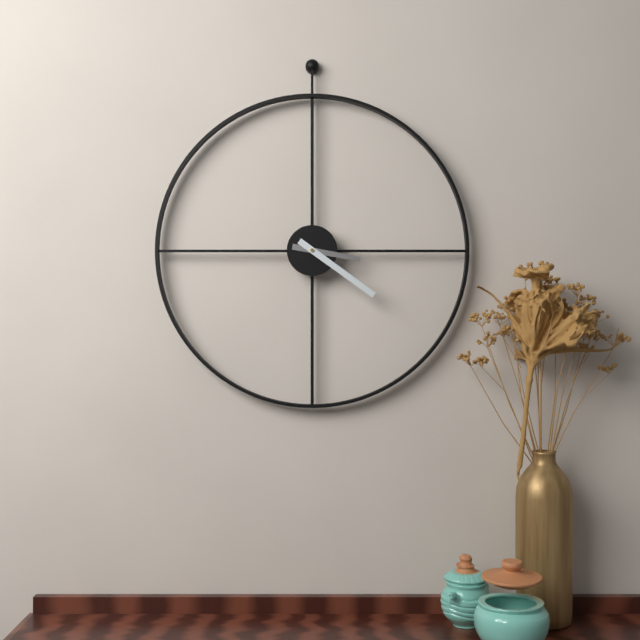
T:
3:21
